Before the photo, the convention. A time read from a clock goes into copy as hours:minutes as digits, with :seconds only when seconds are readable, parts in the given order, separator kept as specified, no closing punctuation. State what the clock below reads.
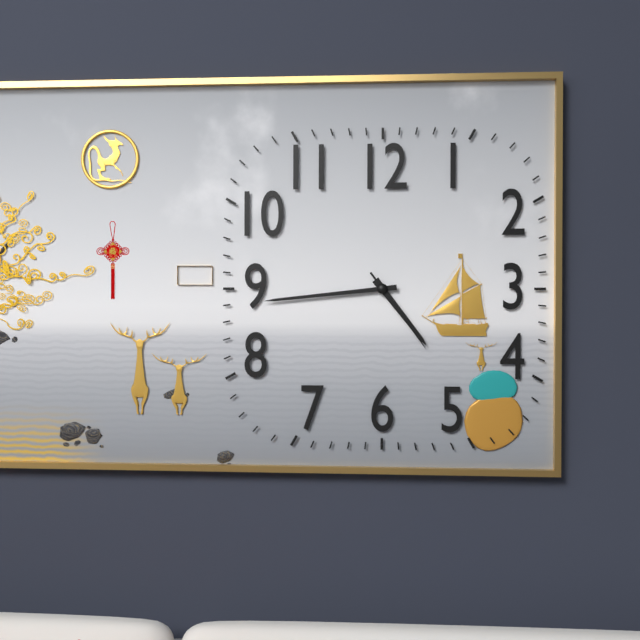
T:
4:44:24
